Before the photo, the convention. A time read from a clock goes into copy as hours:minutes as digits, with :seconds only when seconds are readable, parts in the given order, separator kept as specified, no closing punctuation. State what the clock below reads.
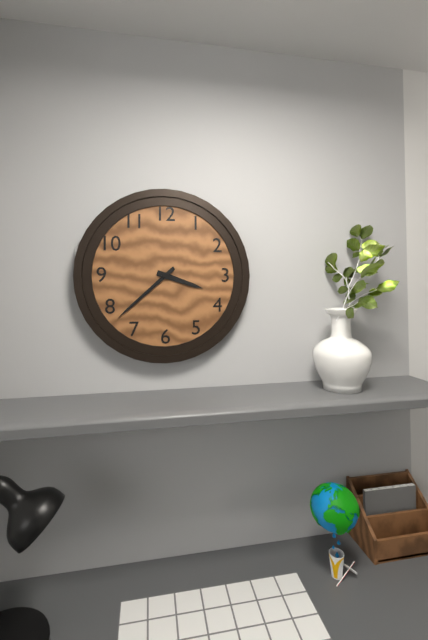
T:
3:38
